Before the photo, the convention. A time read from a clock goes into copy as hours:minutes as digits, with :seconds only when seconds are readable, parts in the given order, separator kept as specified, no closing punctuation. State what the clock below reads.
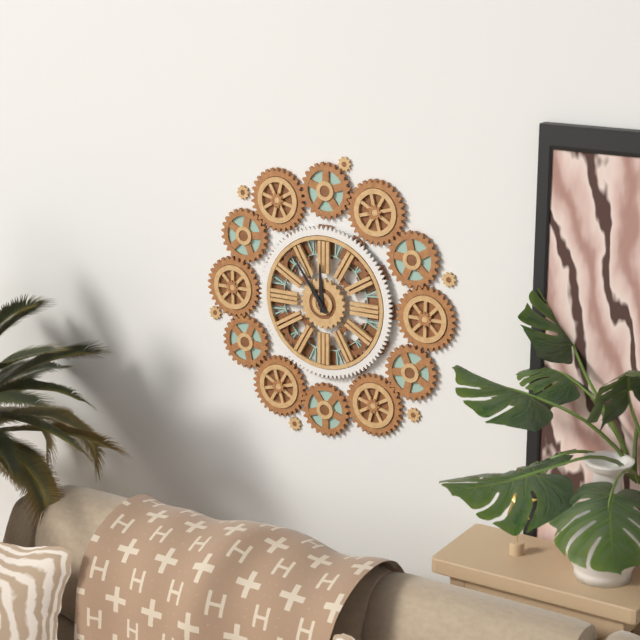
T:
11:54
